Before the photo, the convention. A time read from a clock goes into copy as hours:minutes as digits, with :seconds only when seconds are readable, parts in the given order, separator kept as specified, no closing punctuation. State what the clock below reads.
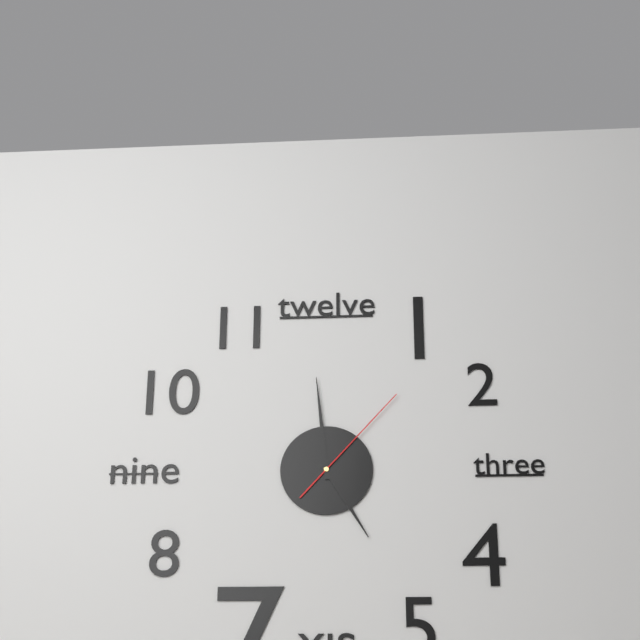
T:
4:59:07
